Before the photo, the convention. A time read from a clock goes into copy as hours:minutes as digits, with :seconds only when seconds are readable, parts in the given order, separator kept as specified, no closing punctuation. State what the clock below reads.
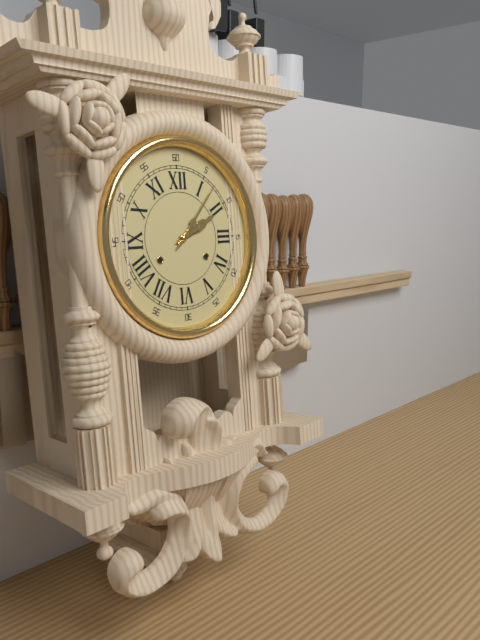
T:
2:07
